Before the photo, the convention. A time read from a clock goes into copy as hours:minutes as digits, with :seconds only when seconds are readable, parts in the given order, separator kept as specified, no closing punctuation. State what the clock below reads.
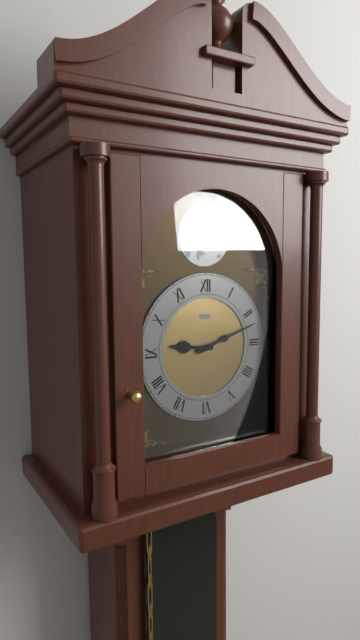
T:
9:12
